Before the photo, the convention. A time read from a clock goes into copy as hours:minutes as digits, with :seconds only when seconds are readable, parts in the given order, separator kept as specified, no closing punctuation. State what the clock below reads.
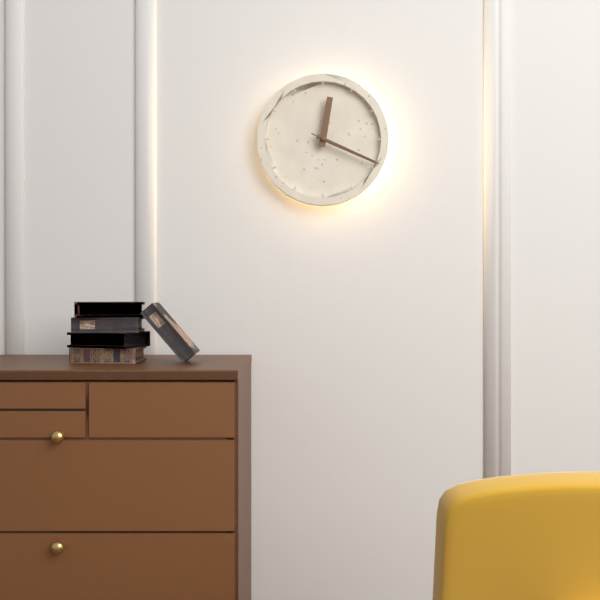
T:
12:19:19
